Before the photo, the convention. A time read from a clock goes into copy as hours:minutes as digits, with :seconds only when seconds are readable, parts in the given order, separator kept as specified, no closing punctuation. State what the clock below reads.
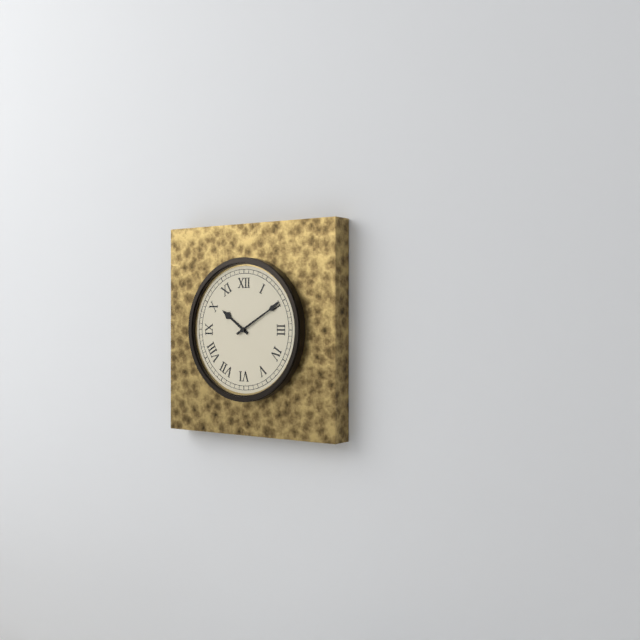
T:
10:10
